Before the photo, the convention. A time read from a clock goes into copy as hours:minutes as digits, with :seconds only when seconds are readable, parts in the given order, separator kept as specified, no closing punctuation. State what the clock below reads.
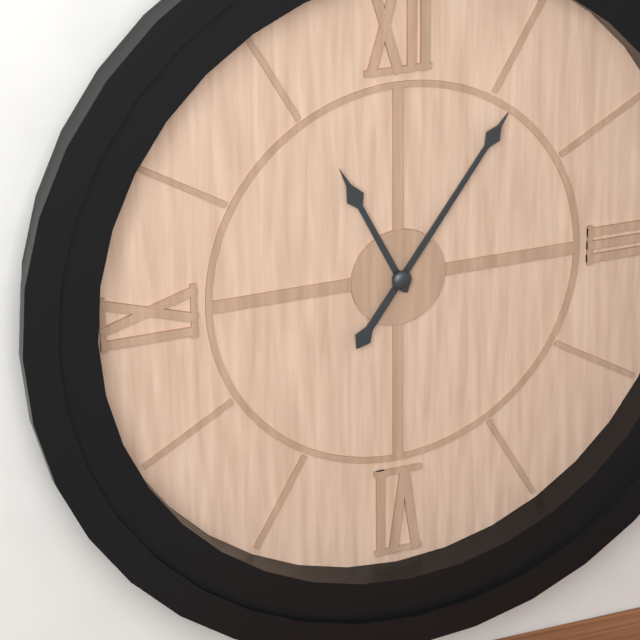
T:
11:06
